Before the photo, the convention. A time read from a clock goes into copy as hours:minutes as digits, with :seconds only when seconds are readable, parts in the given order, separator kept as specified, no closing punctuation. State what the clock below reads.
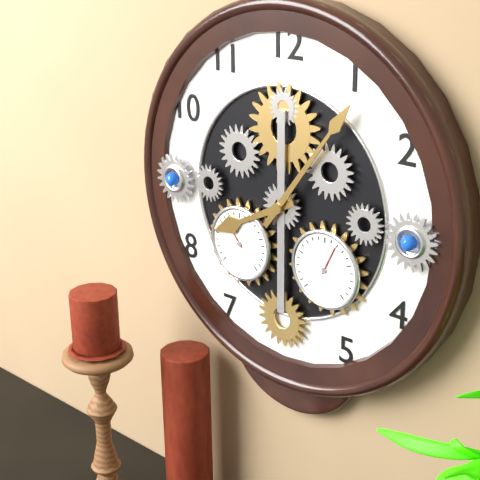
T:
8:06
